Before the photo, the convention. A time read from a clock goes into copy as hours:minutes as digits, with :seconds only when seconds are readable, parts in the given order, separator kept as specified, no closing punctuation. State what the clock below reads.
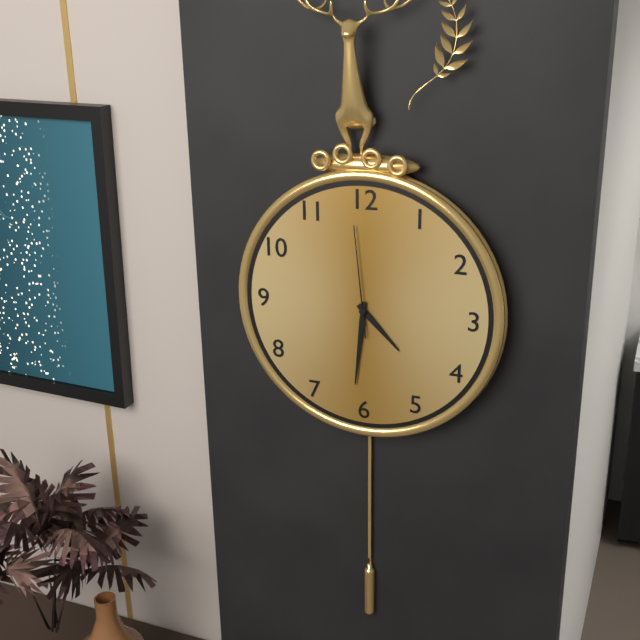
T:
4:31:59
